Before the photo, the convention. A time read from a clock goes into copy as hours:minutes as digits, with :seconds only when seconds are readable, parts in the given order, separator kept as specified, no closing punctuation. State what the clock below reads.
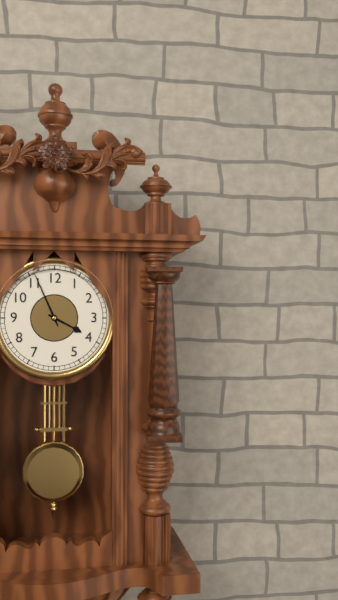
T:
3:56
